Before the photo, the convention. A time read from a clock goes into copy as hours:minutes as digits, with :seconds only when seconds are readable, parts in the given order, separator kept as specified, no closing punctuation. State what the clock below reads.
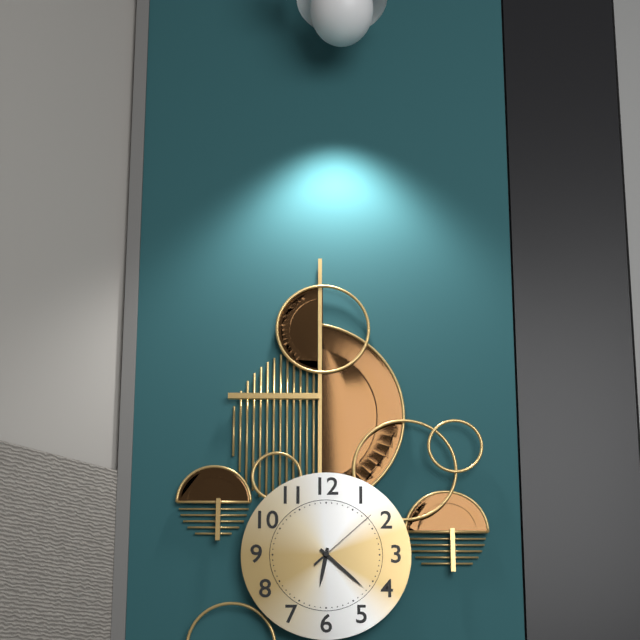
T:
6:22:08
